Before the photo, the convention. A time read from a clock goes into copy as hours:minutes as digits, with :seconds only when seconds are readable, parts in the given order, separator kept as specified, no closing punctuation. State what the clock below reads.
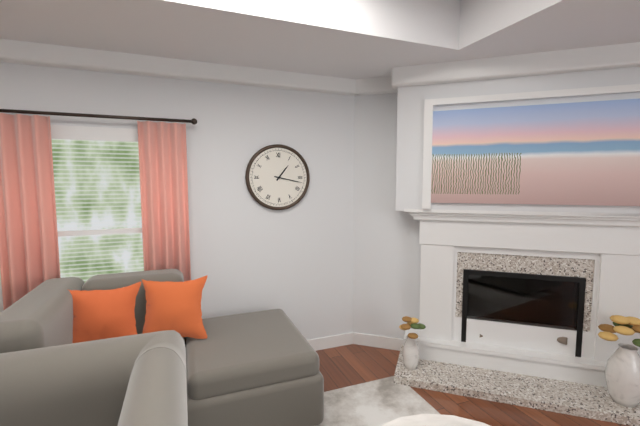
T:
1:17
